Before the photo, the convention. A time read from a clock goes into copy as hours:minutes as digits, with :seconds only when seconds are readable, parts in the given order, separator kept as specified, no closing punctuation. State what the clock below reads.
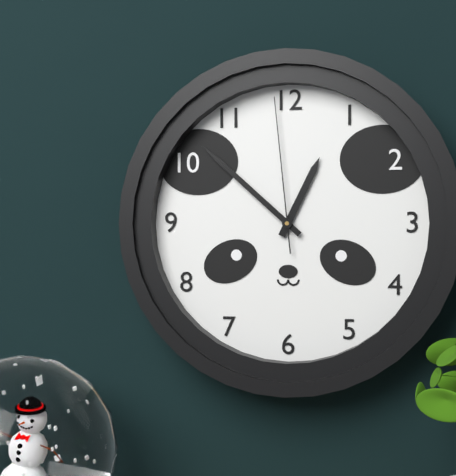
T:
12:52:59
